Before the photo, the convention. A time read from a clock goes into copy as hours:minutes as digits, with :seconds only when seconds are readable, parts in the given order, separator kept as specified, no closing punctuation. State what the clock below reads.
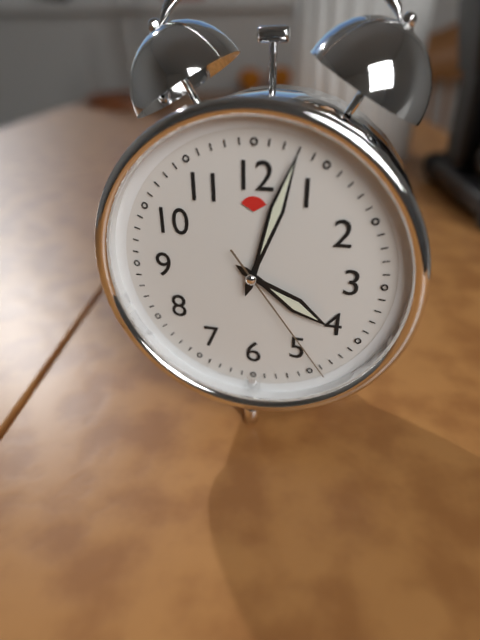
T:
4:03:24
